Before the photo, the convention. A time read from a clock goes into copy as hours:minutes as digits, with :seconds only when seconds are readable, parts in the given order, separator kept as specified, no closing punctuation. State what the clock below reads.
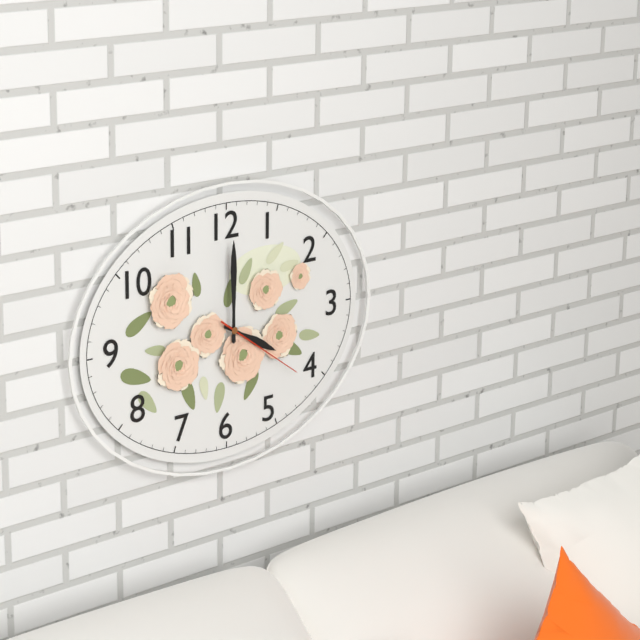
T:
4:00:21
